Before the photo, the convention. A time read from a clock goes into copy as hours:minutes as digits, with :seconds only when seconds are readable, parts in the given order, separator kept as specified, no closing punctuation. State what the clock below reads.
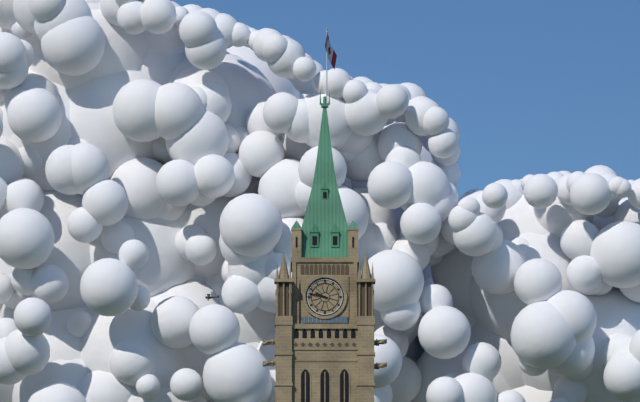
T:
9:47
